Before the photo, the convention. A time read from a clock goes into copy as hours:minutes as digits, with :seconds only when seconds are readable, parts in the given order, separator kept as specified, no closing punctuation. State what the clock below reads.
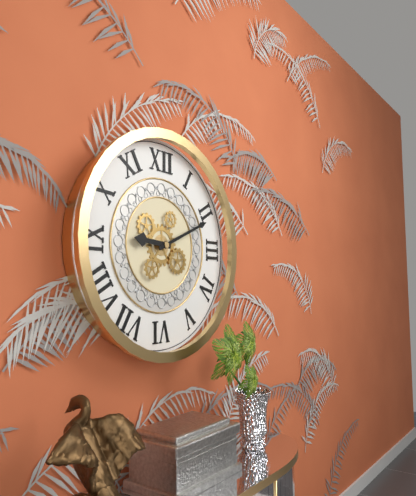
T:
9:11
